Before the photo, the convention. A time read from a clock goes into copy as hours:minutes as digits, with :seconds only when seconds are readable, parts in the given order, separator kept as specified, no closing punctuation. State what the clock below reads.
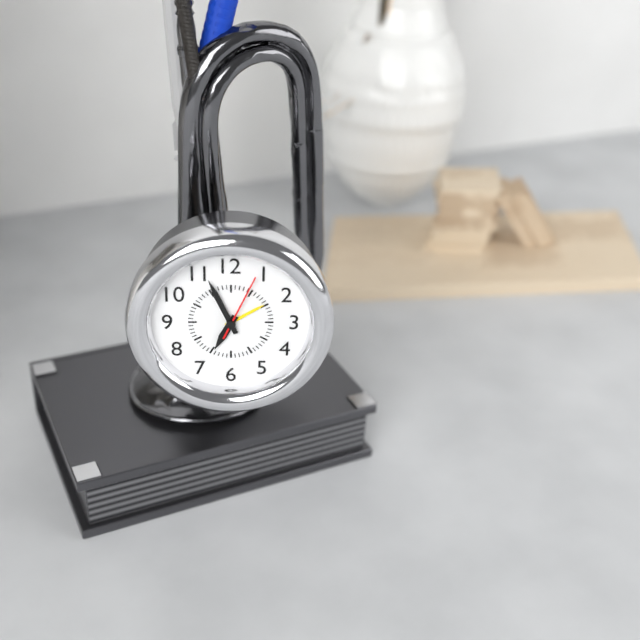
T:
6:56:04
